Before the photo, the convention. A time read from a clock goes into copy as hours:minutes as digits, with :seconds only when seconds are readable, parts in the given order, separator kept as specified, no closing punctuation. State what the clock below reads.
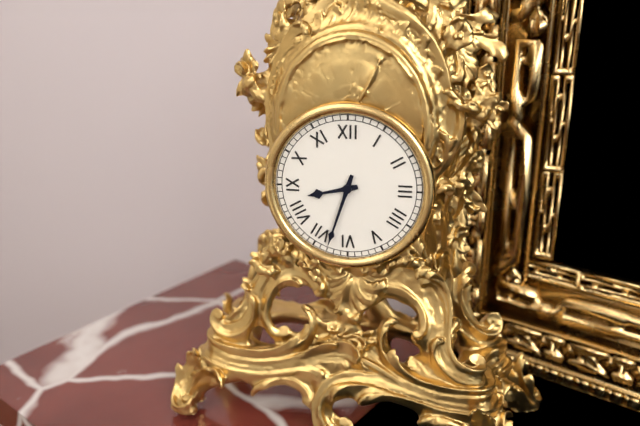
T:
8:33
